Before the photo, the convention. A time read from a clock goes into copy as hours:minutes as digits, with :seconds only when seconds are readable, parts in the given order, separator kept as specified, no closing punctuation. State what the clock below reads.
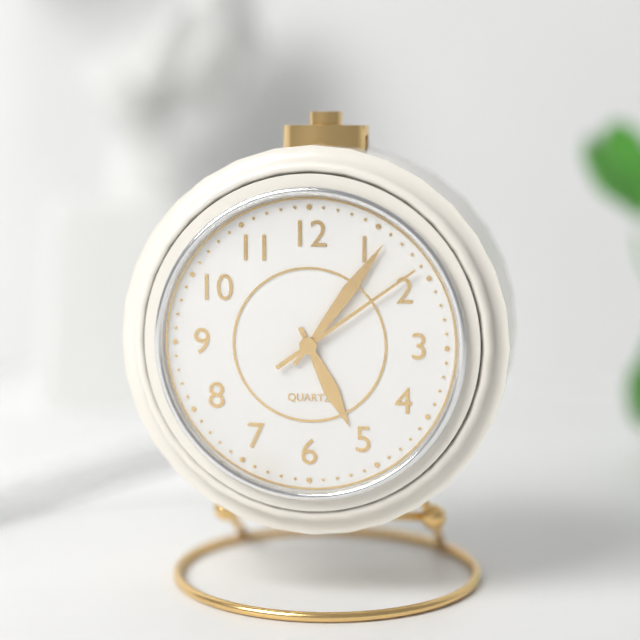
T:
5:06:09
